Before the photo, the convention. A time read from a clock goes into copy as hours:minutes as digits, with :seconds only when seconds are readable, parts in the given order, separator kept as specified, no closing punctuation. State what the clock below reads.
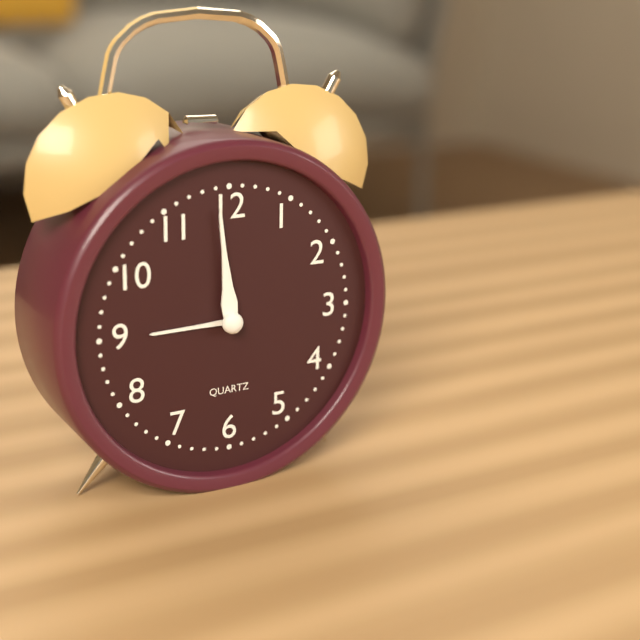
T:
8:59
